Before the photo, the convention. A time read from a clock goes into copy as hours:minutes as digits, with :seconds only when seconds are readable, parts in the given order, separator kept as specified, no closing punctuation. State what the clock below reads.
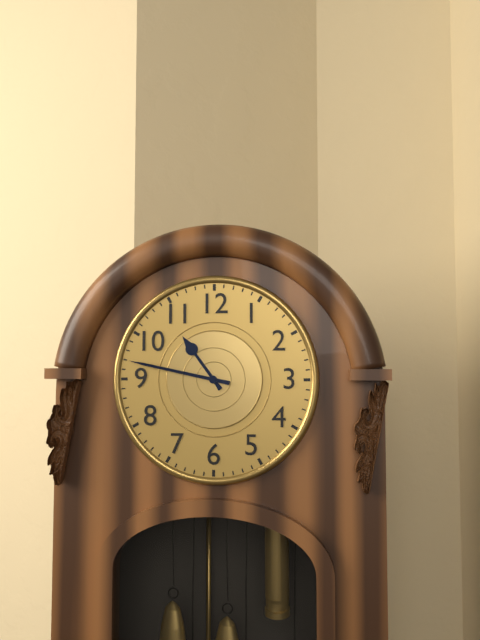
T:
10:47
